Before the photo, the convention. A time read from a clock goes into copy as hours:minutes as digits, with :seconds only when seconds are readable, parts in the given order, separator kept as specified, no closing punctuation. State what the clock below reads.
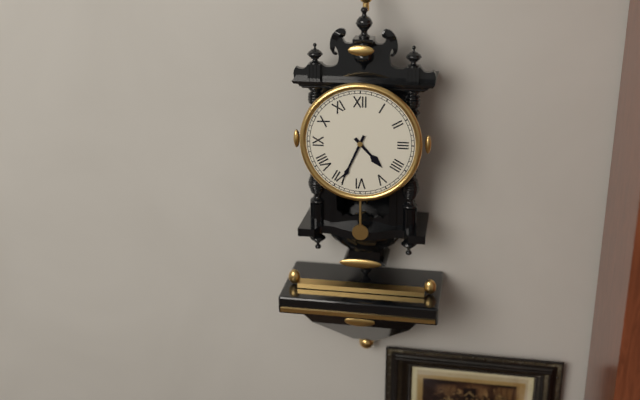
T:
4:34
